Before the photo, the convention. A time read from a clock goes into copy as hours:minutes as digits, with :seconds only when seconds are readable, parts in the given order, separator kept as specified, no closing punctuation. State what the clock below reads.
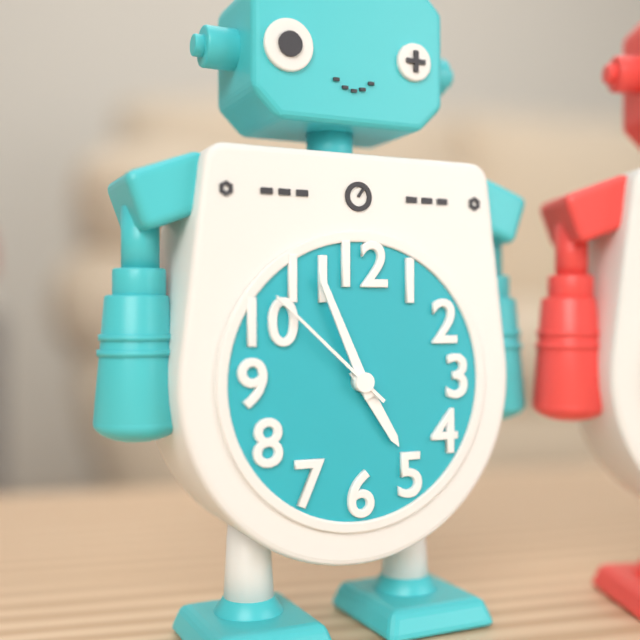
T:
4:56:52
